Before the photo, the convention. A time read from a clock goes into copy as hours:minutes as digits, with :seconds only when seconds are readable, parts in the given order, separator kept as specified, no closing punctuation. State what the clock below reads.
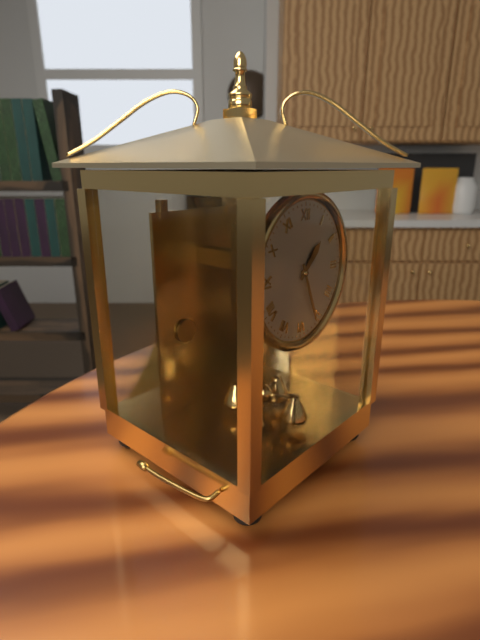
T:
1:26
